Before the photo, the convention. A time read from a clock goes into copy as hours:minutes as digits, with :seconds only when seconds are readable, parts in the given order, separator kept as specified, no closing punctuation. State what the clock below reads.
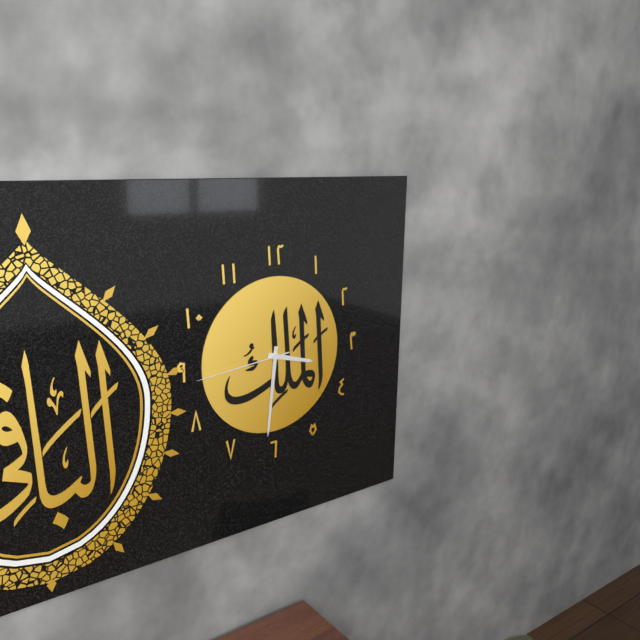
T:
3:31:44
